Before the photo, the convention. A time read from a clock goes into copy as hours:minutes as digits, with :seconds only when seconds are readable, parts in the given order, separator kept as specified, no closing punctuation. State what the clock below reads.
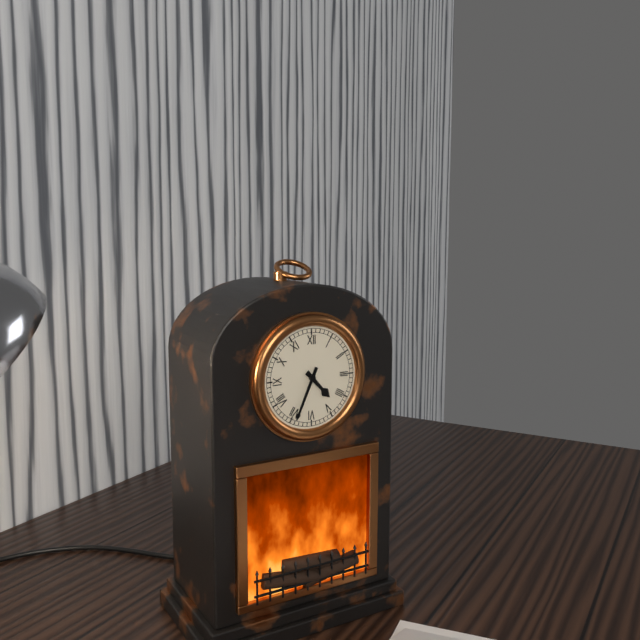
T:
4:34
